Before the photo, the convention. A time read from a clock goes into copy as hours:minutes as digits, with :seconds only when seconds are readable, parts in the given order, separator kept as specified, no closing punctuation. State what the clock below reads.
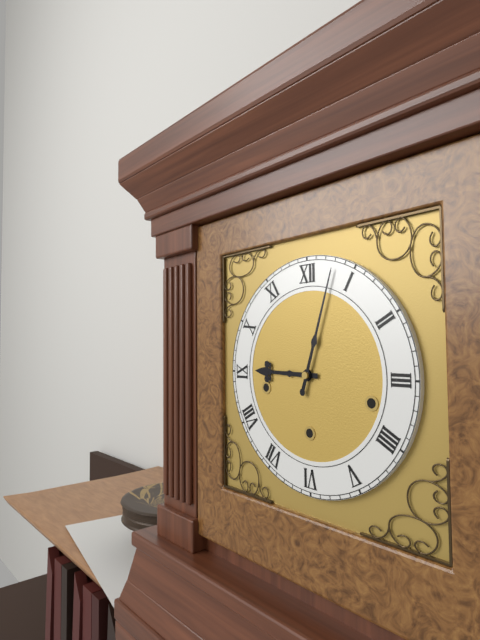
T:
9:03
